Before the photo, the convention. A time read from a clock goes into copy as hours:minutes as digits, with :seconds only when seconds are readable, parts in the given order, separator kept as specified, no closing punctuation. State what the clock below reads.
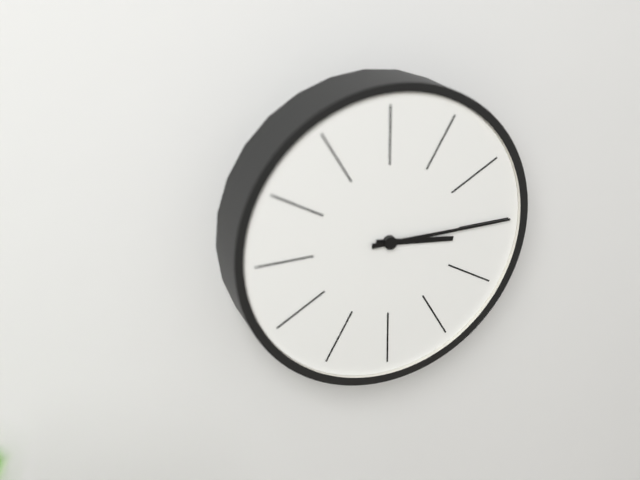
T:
3:15
